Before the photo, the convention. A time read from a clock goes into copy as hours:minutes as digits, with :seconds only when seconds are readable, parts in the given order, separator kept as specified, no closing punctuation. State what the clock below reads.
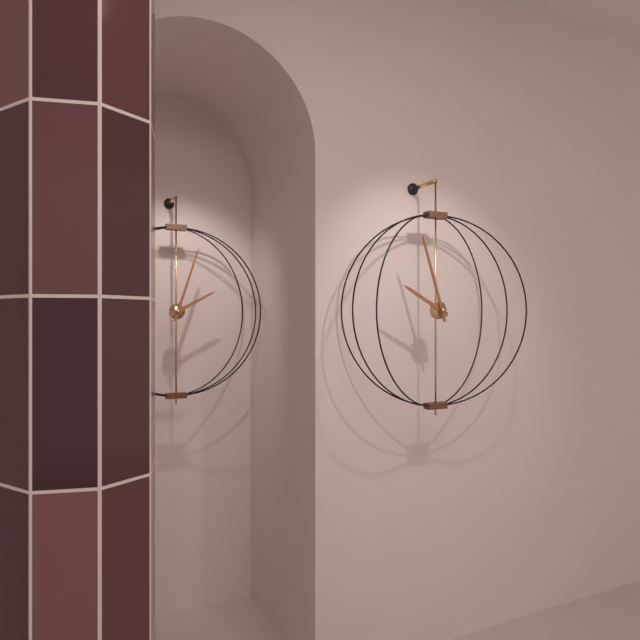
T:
9:57
